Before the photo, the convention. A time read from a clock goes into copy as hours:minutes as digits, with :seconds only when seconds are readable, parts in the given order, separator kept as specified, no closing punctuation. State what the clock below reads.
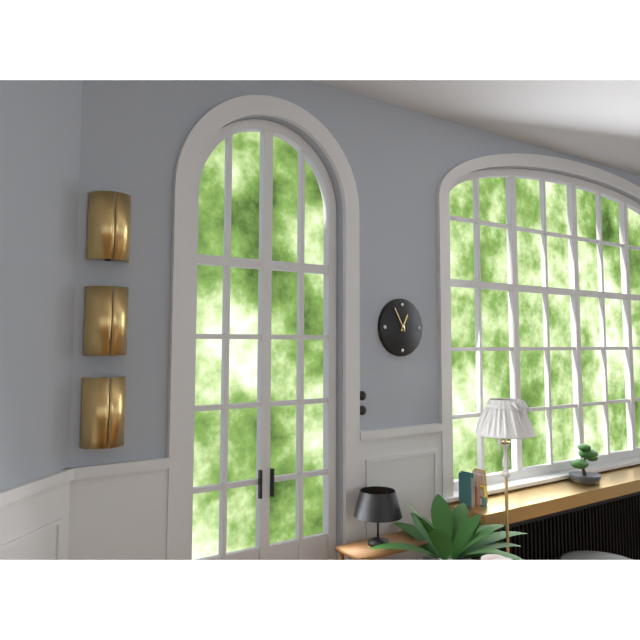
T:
12:55
